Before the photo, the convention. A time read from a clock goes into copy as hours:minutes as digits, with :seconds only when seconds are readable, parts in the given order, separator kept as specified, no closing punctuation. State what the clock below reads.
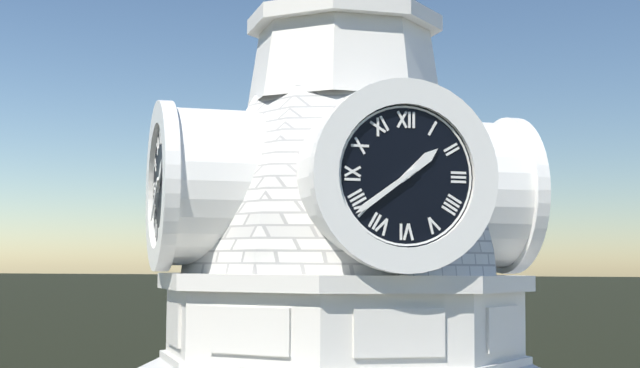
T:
1:39
